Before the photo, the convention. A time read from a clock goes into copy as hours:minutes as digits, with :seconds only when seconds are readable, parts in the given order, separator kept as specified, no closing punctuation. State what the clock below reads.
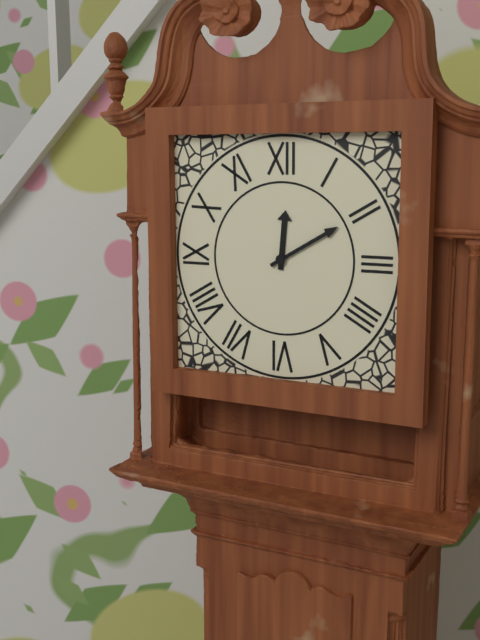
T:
12:10
